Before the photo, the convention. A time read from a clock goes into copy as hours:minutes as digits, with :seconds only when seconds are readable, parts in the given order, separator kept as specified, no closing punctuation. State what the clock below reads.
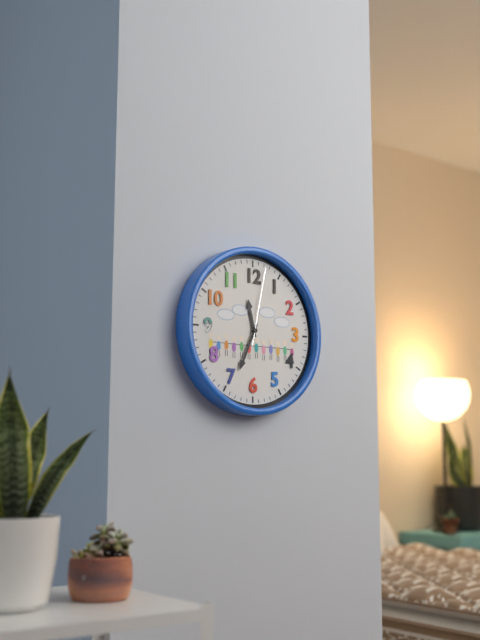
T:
11:34:02
